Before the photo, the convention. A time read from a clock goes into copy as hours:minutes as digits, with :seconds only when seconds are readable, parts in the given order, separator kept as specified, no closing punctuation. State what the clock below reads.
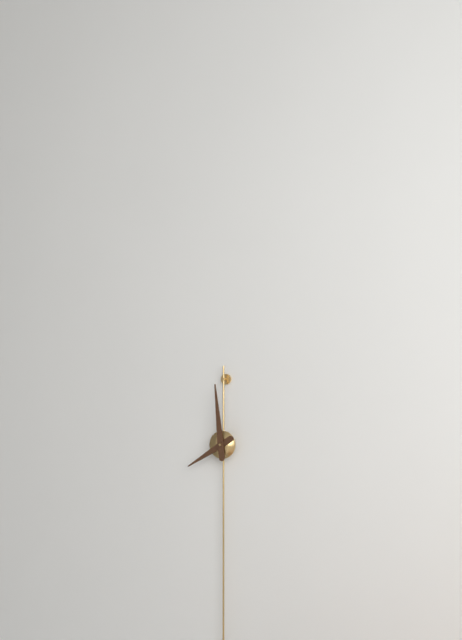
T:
7:59
